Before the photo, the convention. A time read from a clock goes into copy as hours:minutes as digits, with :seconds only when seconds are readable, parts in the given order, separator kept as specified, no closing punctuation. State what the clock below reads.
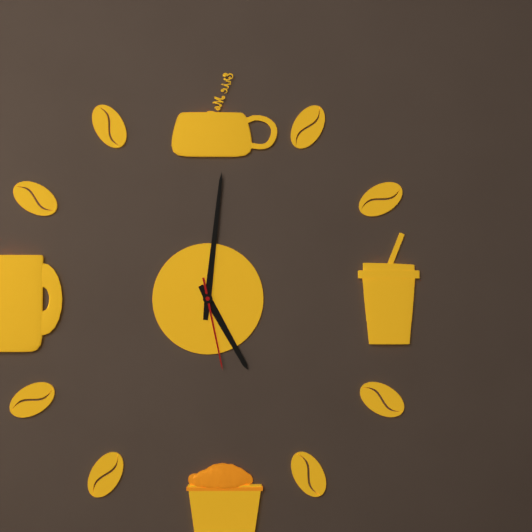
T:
5:01:28
